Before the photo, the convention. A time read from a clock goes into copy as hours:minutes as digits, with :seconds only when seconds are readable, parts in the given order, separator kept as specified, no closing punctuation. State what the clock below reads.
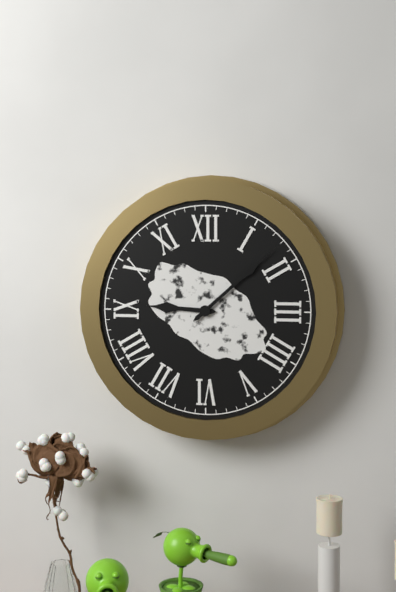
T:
9:08
